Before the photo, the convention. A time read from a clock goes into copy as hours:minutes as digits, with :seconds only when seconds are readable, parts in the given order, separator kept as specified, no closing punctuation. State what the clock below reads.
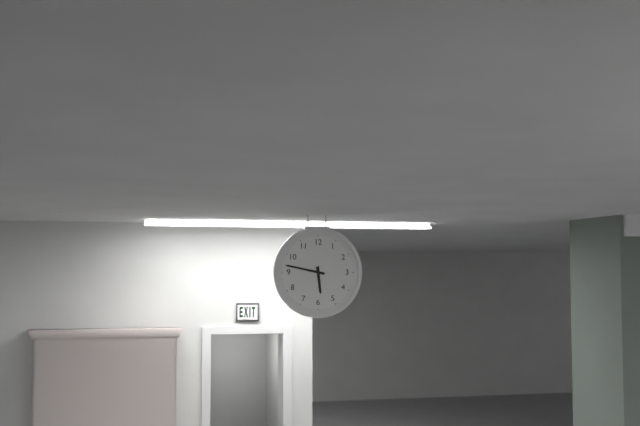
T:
5:47
